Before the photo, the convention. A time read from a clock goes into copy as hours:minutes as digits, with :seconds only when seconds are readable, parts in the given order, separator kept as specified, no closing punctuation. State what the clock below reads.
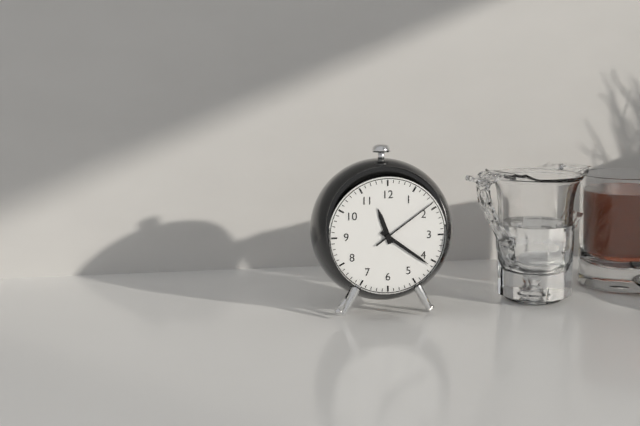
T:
11:21:09
